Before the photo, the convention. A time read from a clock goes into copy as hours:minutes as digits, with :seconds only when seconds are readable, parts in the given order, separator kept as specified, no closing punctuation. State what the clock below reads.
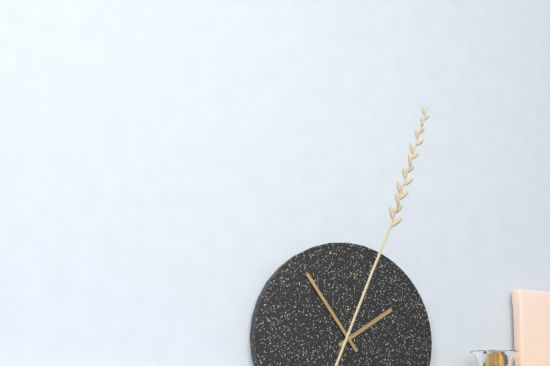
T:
1:54
